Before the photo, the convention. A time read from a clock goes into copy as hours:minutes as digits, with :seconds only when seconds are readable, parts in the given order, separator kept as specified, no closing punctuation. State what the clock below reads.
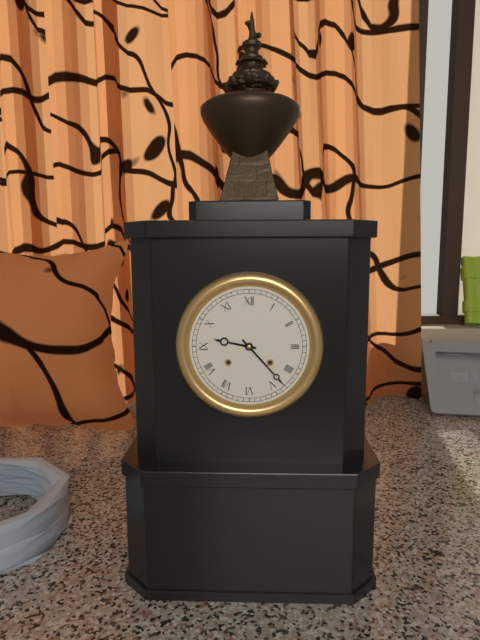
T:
9:23
